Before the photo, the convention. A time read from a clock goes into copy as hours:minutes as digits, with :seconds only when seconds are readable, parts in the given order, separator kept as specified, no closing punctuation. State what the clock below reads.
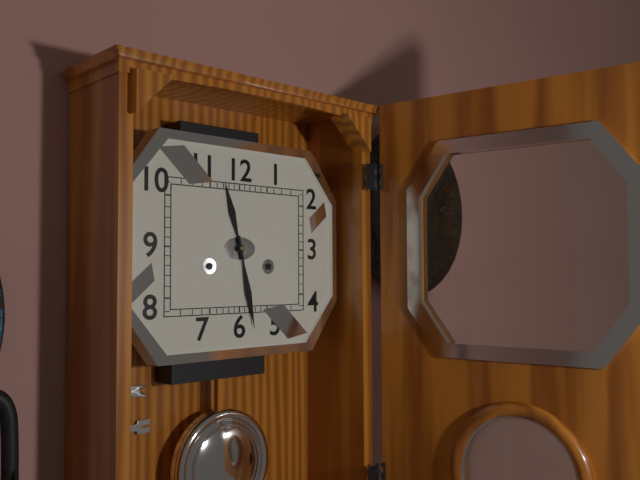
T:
11:28
